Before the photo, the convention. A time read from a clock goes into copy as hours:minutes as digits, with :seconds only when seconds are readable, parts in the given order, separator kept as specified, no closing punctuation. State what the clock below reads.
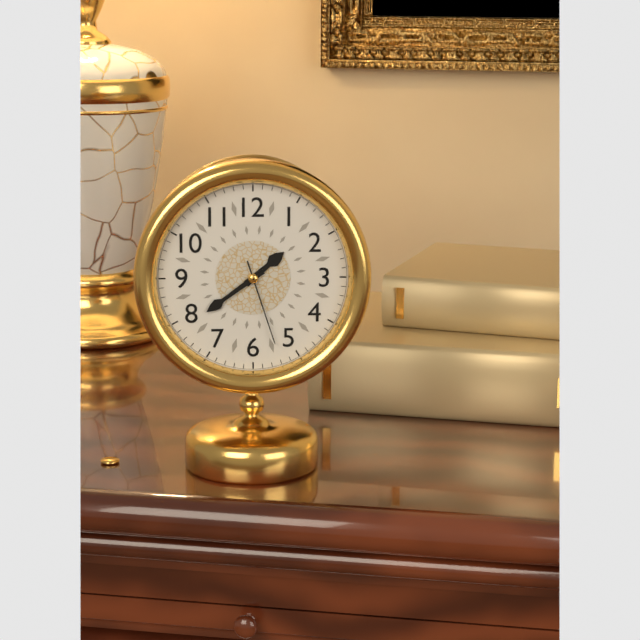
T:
1:39:27
